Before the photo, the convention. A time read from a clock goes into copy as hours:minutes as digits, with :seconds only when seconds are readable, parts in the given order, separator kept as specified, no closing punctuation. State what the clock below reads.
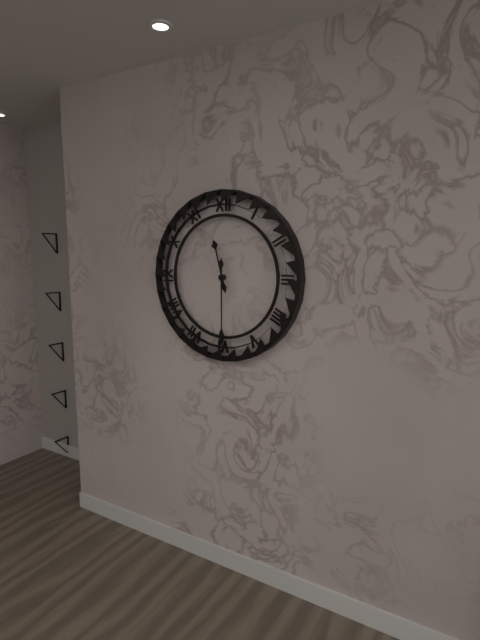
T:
11:30
